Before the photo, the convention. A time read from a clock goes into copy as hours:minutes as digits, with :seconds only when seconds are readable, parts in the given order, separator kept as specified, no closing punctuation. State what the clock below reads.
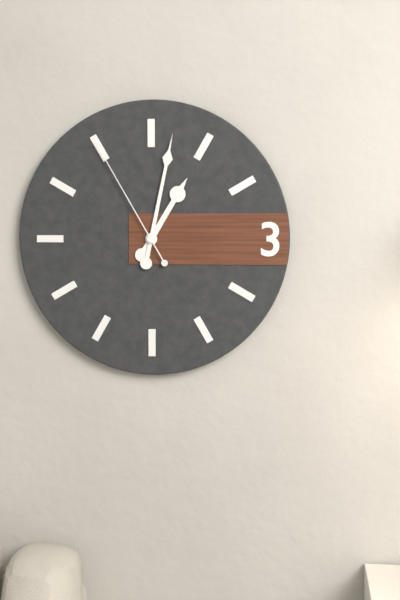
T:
1:02:55
